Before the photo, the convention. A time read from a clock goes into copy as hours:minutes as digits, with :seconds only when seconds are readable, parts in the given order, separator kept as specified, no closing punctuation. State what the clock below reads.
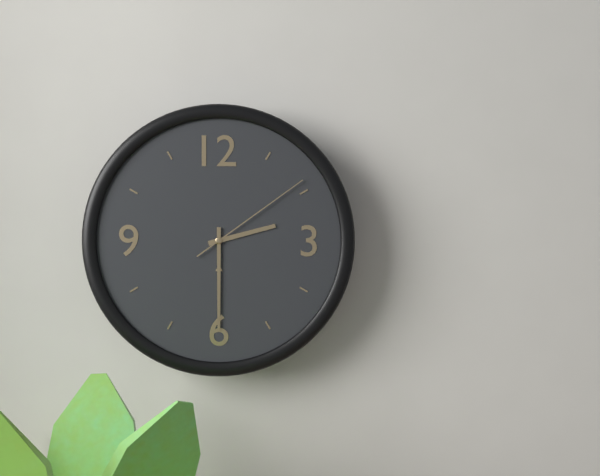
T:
2:30:09
